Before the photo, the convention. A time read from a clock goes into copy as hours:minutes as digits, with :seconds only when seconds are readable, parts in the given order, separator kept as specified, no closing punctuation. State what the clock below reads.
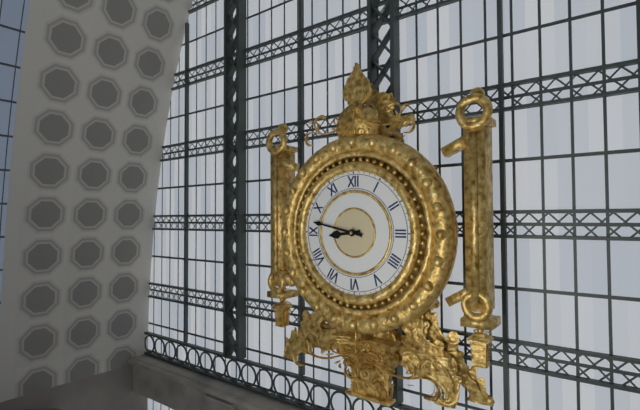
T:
8:47
